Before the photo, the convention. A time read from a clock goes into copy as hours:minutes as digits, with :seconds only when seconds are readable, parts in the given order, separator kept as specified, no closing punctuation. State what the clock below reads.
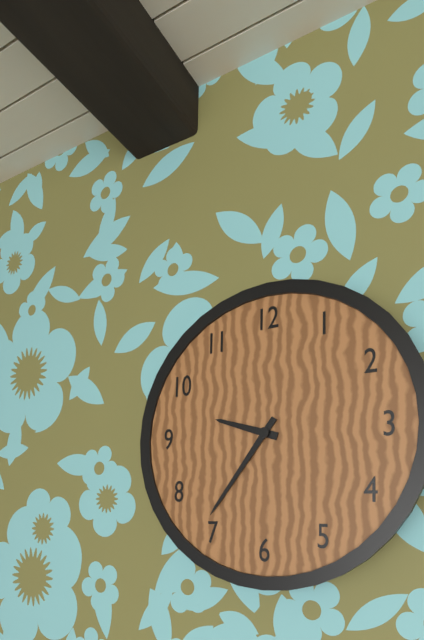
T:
9:36
